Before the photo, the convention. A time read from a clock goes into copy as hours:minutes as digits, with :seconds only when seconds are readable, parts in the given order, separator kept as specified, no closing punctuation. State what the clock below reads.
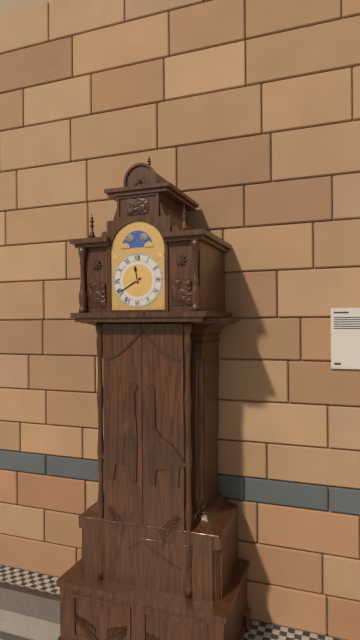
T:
11:40
